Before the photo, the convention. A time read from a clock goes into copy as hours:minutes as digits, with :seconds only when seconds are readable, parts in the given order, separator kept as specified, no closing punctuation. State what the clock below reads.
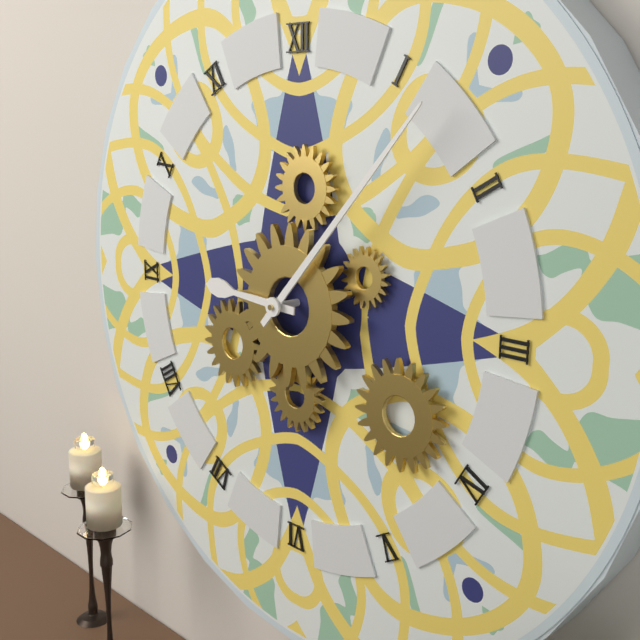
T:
9:07
